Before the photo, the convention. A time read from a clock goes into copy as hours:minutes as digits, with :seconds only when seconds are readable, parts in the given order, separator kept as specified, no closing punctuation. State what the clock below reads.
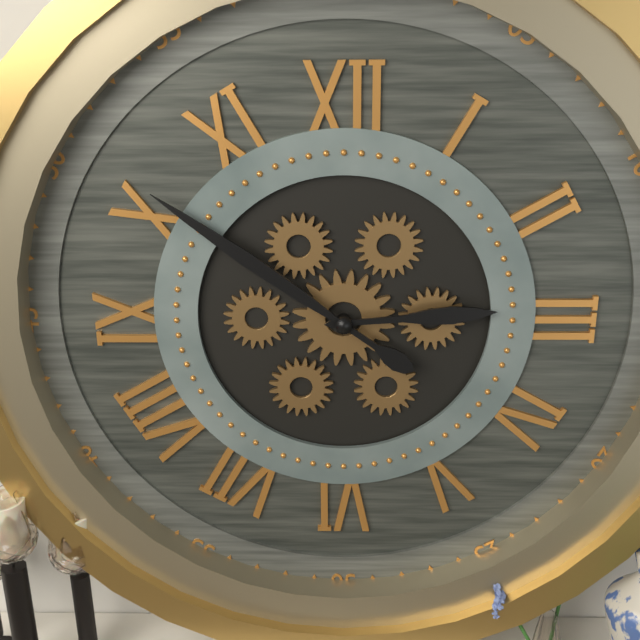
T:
2:51
